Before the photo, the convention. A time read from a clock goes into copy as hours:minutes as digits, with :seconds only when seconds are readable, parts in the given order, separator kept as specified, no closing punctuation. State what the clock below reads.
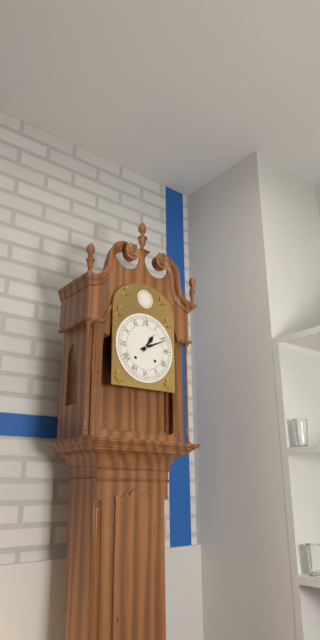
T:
1:11
